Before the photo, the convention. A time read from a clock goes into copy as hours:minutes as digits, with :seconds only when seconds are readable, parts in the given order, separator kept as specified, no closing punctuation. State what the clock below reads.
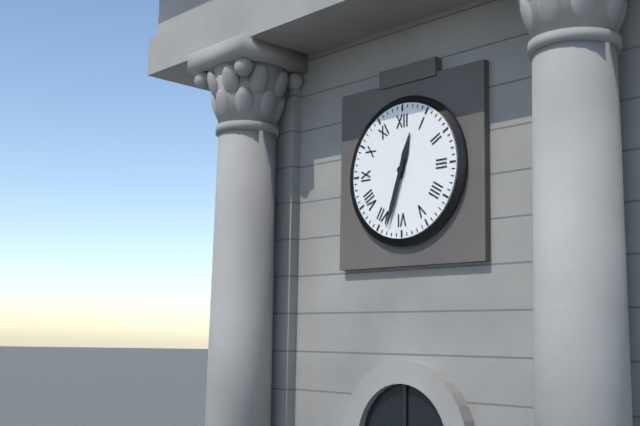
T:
12:33
